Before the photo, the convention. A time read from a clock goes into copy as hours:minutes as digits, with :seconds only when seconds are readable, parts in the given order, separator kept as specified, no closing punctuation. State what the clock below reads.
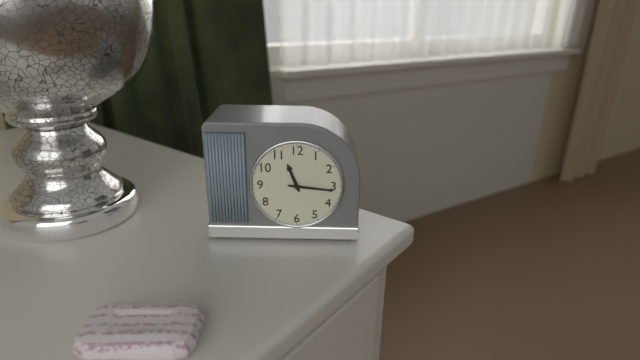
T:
11:16
